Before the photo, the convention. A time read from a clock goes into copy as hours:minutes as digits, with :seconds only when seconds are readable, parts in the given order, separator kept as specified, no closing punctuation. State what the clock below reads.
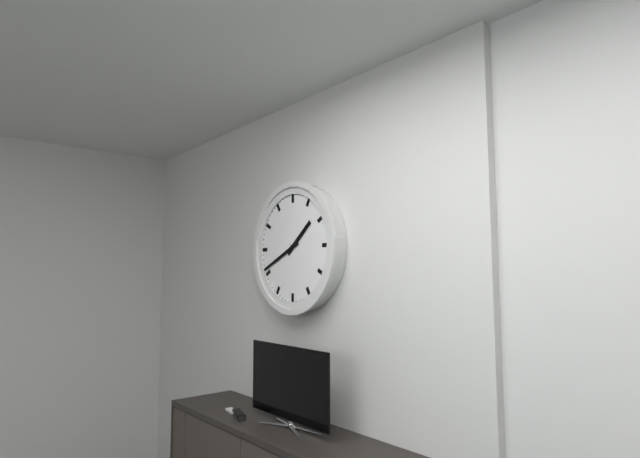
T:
1:41
